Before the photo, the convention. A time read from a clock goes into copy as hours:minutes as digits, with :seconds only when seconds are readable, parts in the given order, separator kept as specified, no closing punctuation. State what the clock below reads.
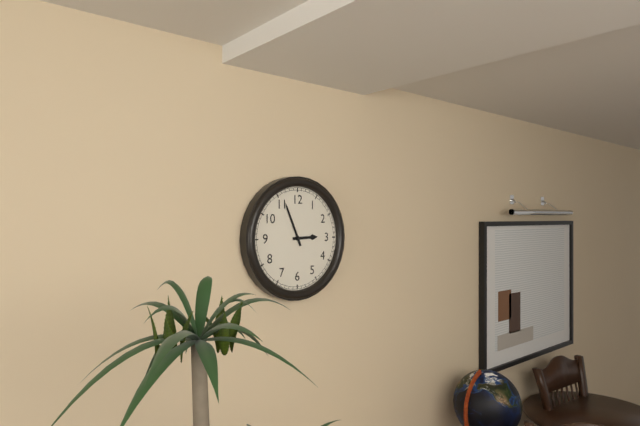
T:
2:56
